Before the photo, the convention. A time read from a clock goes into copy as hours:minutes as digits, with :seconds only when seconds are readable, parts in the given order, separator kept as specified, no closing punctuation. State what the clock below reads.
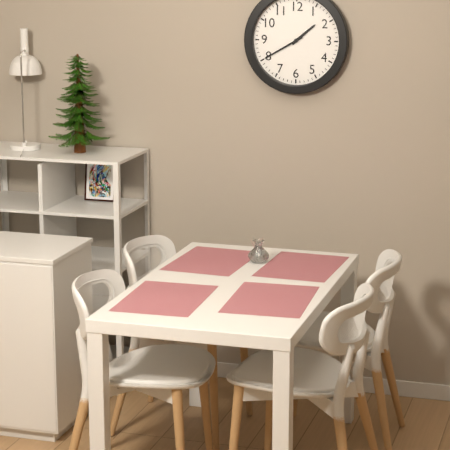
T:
1:40
